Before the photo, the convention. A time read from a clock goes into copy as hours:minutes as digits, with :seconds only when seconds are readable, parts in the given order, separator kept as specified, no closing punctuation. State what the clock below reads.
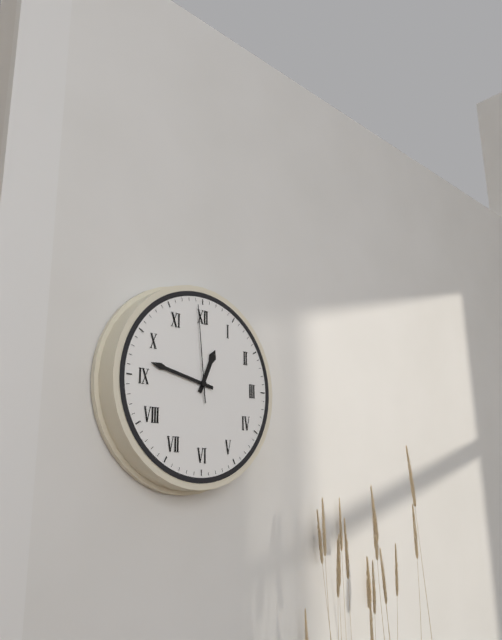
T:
12:47:59
